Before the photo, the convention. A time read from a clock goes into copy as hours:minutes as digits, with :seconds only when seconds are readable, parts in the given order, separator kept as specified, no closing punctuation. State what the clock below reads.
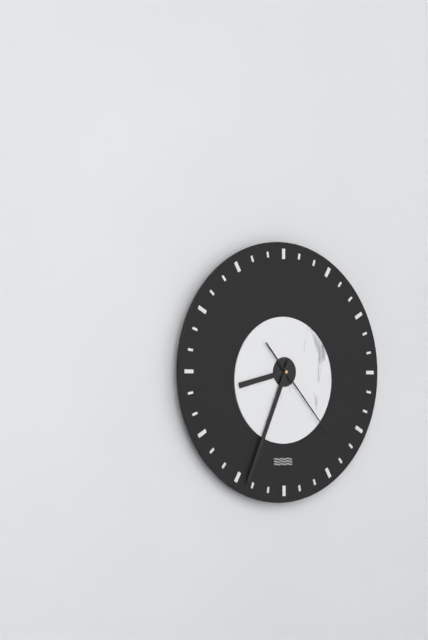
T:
8:34:23
